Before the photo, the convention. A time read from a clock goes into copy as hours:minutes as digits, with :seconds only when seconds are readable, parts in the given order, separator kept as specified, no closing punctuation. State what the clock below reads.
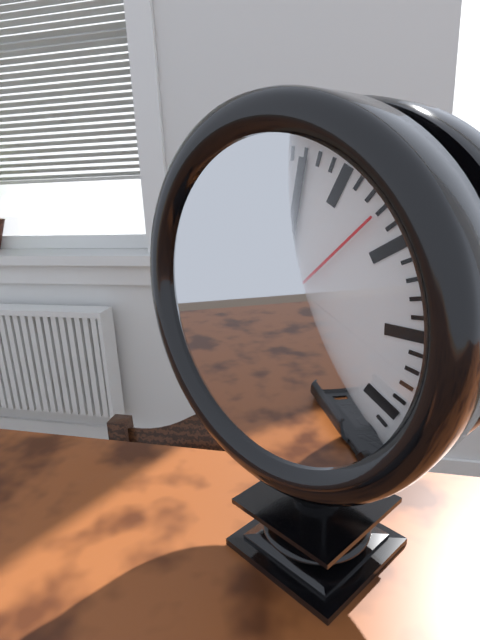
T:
5:02:08
